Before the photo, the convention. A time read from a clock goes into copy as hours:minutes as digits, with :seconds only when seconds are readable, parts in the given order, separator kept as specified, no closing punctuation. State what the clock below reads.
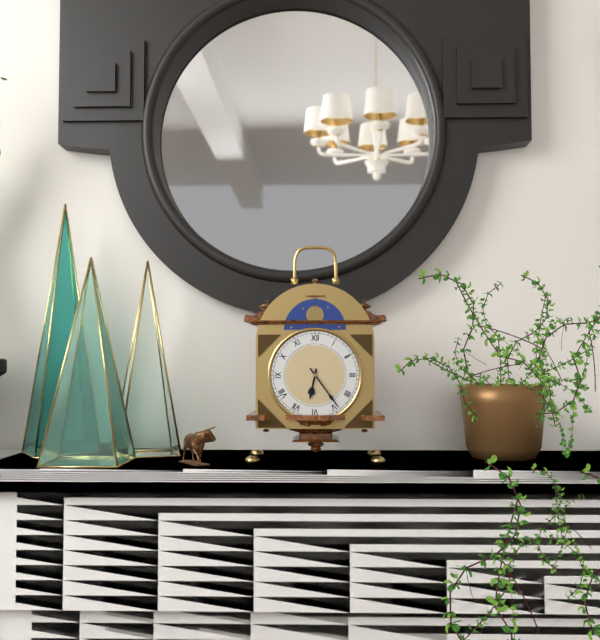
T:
6:24
